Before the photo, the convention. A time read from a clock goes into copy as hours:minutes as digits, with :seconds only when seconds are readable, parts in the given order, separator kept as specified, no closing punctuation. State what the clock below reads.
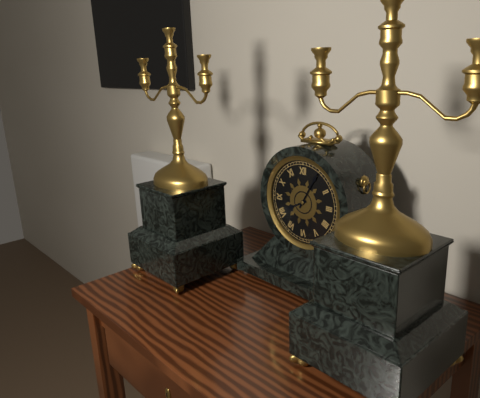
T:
8:05
